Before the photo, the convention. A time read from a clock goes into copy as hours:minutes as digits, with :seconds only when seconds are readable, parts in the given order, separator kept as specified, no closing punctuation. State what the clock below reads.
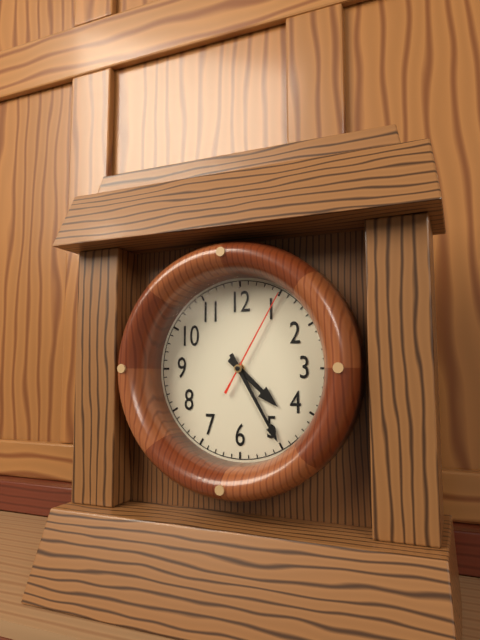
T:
4:25:05
